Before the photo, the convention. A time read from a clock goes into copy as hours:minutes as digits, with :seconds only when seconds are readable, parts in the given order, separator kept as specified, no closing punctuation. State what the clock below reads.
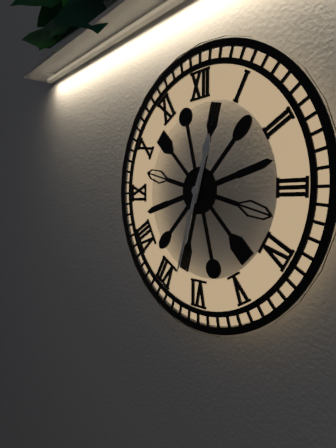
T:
12:33
